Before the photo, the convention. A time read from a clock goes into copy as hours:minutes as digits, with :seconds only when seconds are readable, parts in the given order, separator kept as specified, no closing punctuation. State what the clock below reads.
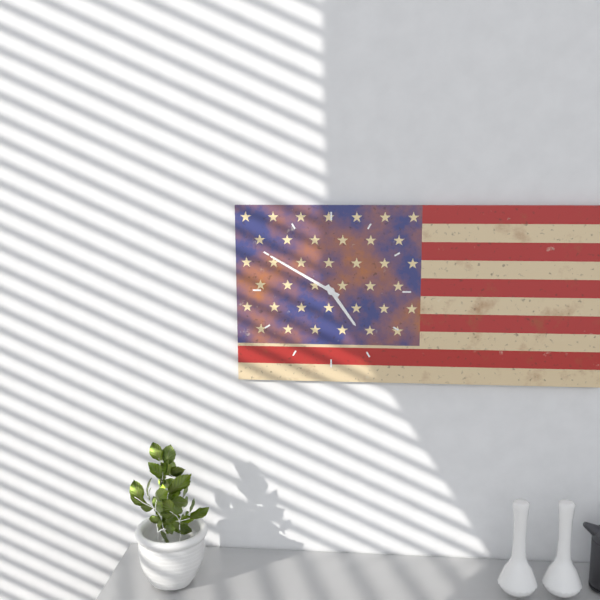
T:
4:50
